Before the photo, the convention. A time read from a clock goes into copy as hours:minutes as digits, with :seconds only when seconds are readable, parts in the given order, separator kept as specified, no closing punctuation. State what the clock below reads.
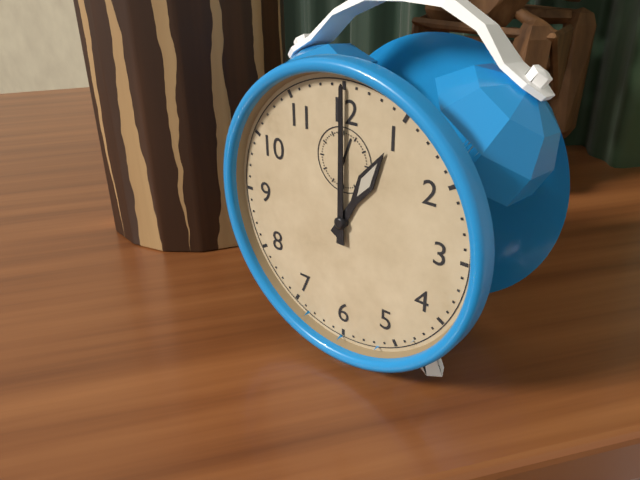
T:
1:00
